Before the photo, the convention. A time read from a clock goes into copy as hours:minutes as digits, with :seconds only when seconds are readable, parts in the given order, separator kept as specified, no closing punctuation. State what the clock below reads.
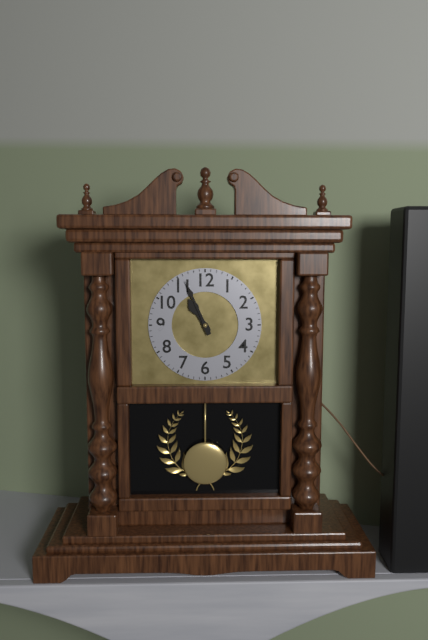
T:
10:56
